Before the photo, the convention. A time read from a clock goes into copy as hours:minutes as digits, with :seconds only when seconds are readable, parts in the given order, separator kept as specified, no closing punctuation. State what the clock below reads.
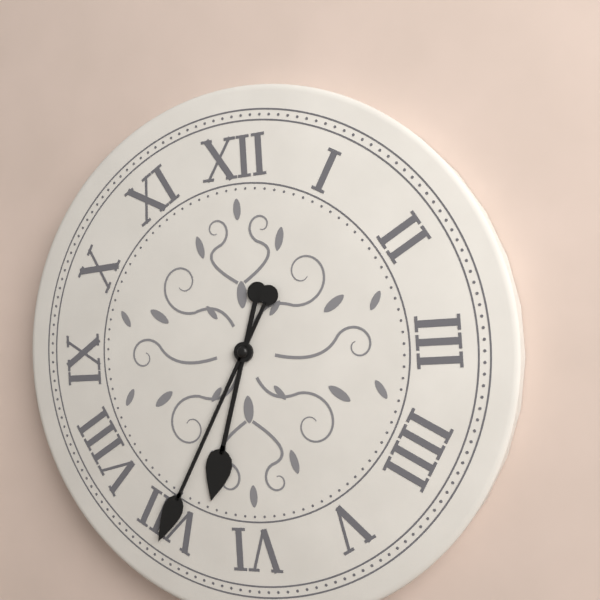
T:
6:35
